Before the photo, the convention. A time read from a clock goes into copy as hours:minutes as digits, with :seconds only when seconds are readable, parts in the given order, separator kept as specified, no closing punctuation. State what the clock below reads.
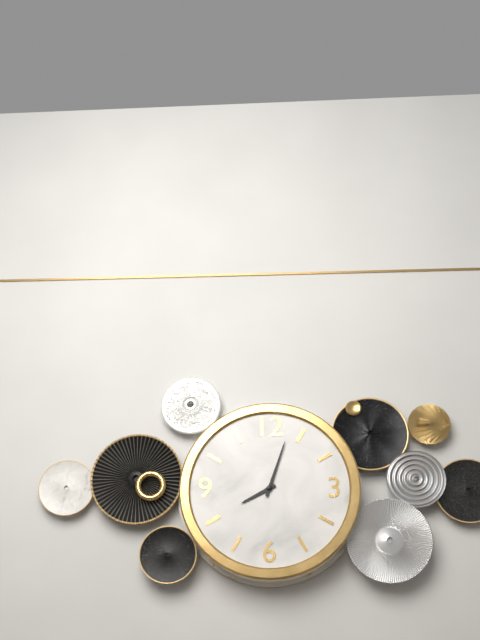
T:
8:03
